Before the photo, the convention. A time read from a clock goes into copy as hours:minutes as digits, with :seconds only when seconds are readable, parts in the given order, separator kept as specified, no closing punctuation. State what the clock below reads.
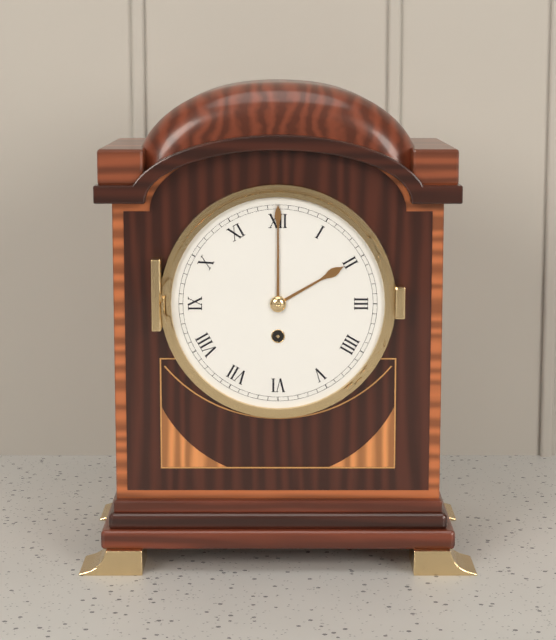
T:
2:00
